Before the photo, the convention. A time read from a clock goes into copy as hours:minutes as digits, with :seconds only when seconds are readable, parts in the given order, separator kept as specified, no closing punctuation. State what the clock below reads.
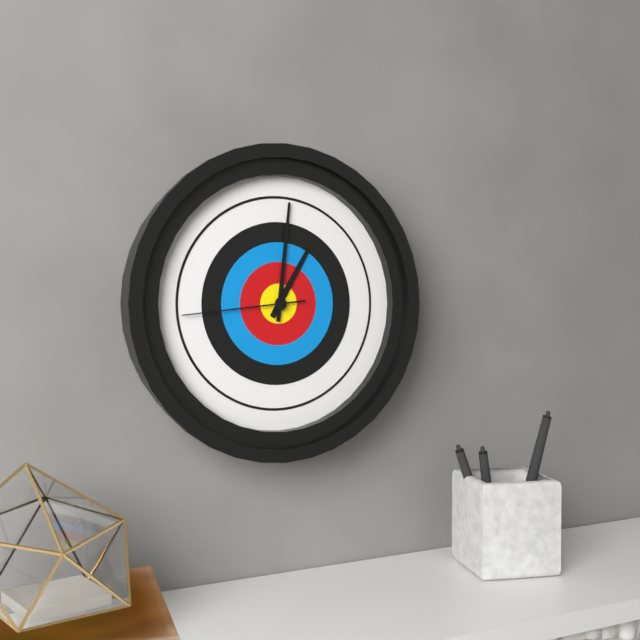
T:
1:01:44
